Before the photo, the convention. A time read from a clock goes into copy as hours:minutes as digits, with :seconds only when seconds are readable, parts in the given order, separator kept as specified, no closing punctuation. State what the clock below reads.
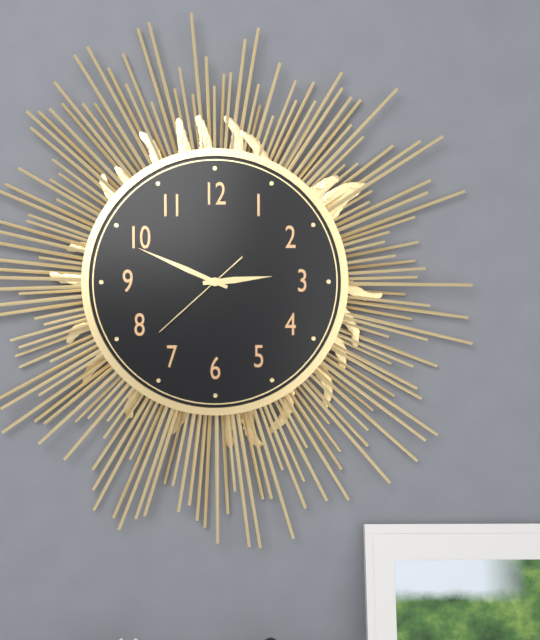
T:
2:49:38
